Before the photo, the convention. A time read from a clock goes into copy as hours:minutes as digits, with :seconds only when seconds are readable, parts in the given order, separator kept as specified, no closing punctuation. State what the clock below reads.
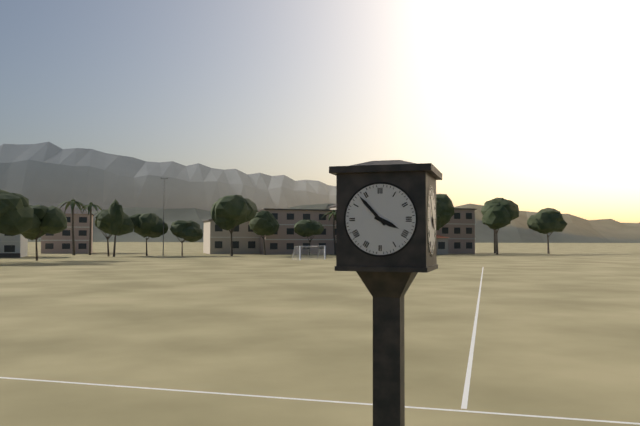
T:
3:53
